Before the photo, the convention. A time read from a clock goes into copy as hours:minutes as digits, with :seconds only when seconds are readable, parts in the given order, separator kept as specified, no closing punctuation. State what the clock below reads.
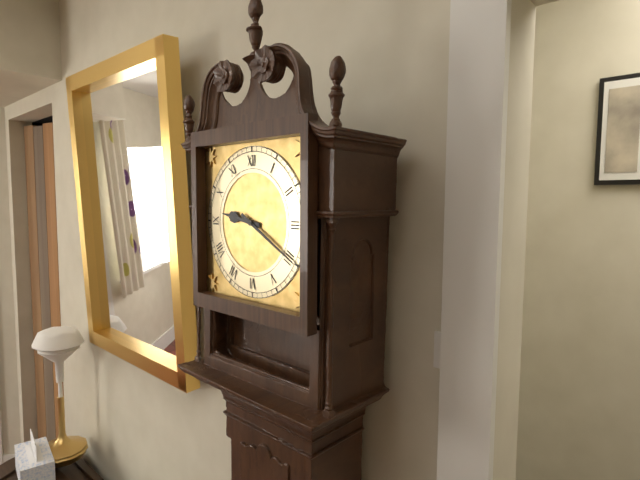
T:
9:20
